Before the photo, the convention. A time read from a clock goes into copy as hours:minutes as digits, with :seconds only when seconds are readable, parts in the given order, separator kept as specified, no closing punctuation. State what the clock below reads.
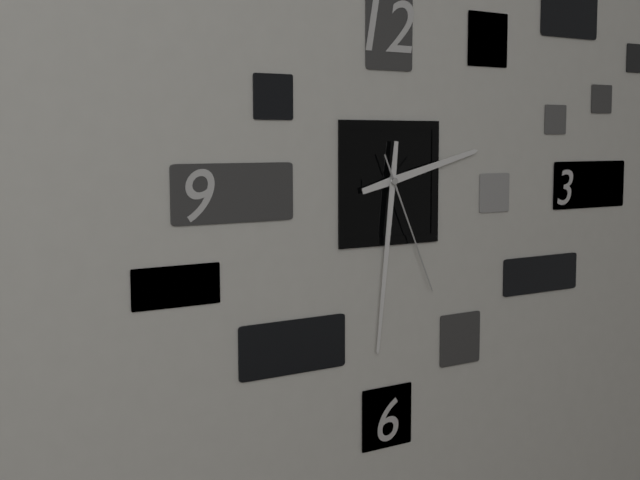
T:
2:31:26
